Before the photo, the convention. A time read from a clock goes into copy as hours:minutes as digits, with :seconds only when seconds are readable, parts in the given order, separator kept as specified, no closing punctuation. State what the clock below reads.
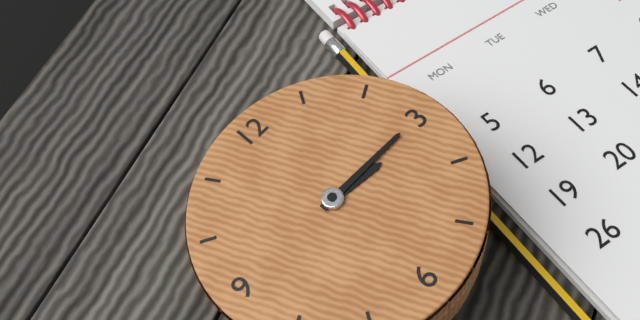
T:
3:15
